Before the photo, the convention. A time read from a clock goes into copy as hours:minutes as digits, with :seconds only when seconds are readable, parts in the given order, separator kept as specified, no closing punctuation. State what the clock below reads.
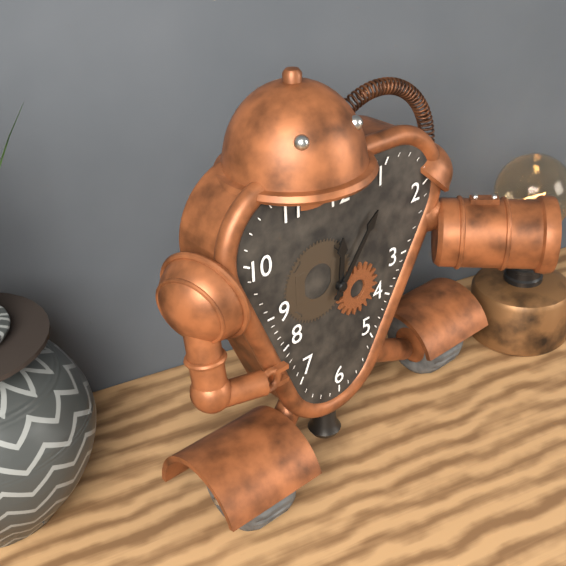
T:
12:06
